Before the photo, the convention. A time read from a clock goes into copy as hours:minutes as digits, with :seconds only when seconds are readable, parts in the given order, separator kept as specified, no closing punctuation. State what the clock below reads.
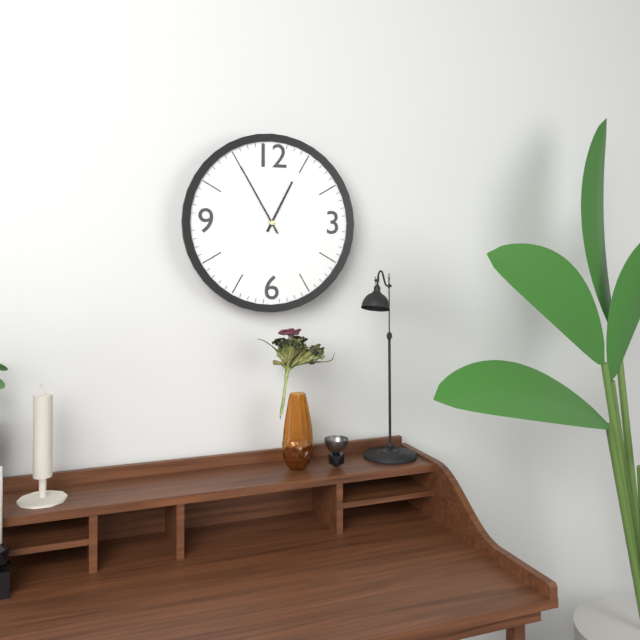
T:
12:55
